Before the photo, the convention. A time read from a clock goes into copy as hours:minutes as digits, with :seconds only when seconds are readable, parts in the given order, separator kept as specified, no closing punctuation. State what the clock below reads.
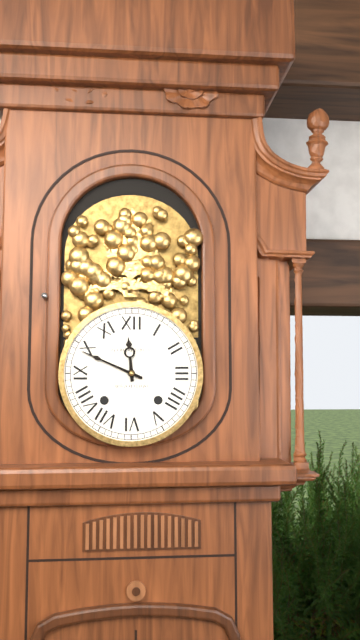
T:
11:49
